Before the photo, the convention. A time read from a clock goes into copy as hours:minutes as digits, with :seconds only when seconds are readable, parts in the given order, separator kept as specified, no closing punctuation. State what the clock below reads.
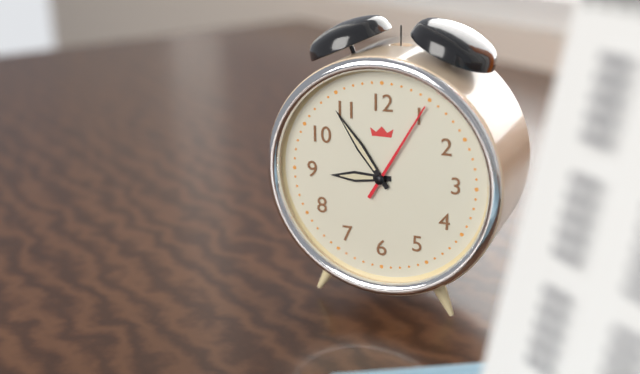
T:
8:54:05
